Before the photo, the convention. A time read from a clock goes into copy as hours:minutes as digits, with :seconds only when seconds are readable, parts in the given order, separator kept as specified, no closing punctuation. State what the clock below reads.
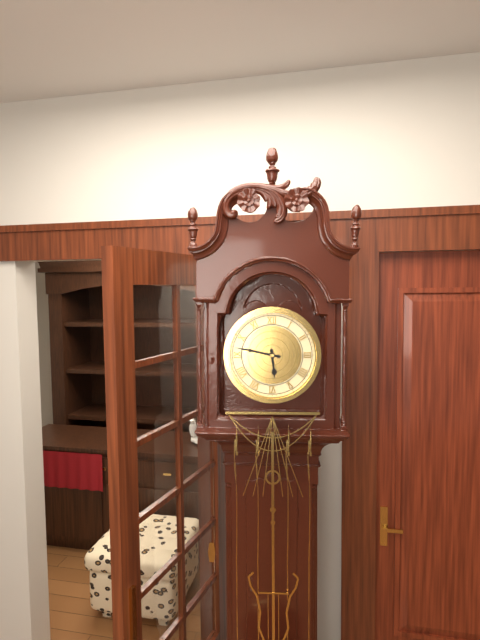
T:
5:47
